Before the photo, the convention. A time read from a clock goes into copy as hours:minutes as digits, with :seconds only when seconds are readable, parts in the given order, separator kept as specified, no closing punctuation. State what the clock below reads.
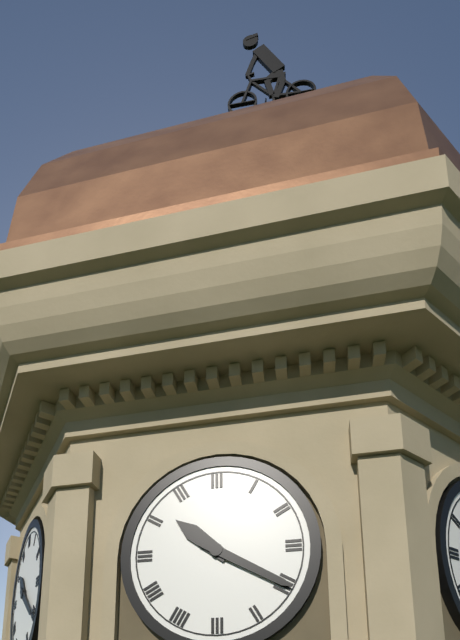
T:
10:20
